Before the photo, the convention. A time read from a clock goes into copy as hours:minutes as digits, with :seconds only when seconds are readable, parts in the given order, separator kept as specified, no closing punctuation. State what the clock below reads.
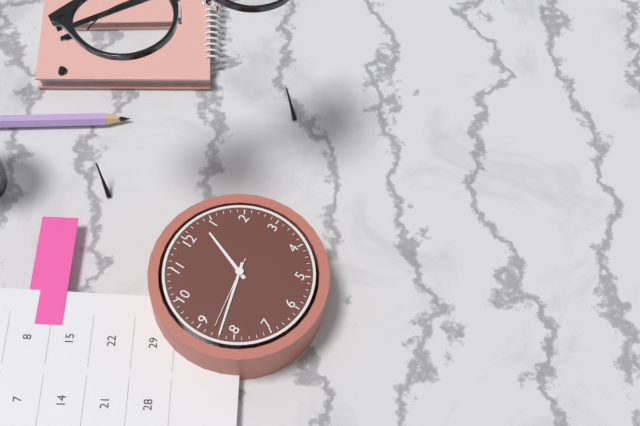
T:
12:42:43
